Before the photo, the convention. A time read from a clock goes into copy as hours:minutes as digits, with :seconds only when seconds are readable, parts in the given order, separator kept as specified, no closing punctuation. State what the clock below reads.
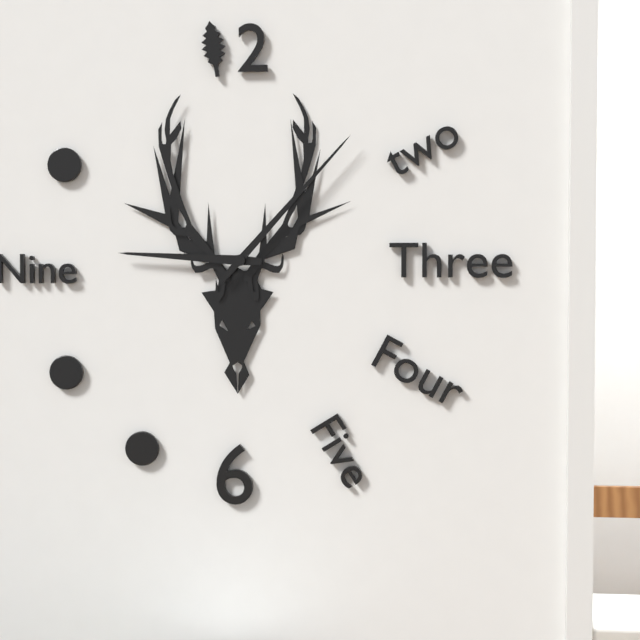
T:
9:07
